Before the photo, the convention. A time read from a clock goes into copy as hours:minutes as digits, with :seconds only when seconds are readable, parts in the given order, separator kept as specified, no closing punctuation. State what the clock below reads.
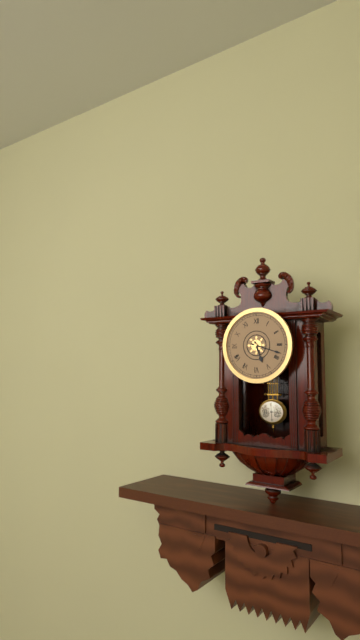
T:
5:18
